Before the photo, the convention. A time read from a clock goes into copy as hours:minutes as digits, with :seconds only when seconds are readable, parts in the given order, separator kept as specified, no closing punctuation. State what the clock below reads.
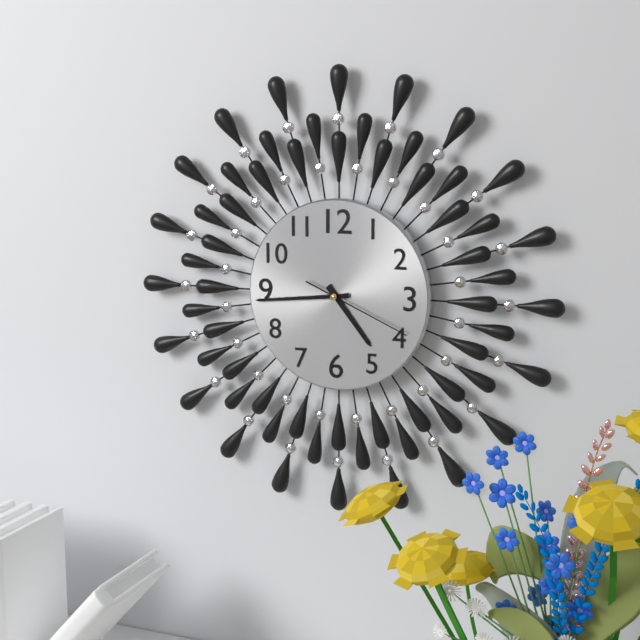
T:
4:44:19
